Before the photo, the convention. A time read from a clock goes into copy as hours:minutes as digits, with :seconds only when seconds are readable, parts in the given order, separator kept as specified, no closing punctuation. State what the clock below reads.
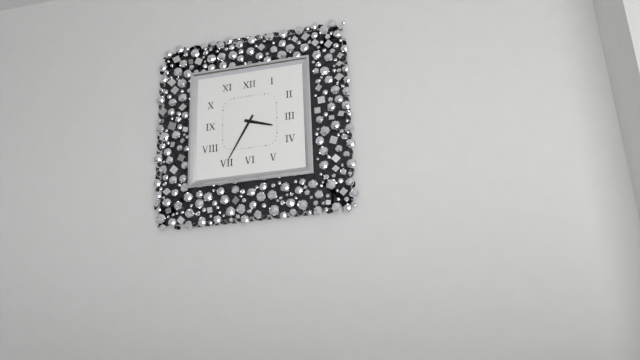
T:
3:35
